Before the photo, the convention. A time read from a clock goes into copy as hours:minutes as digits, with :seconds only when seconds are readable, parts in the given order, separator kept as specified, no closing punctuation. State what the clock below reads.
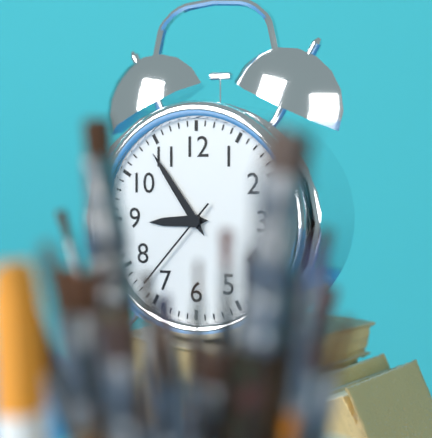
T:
8:54:37
